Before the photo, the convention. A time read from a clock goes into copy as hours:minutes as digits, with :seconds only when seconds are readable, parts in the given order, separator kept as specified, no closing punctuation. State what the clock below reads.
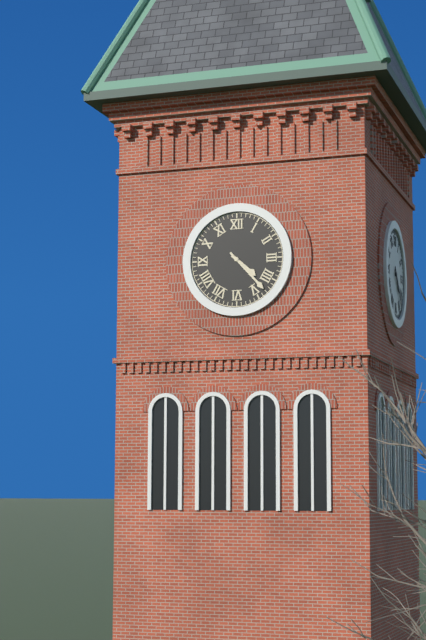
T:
4:23
